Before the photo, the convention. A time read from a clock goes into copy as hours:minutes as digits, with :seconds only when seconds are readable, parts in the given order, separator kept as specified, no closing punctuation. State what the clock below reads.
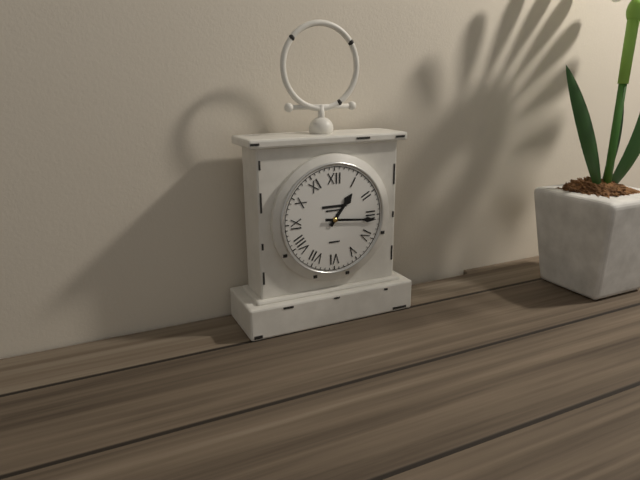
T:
1:16
